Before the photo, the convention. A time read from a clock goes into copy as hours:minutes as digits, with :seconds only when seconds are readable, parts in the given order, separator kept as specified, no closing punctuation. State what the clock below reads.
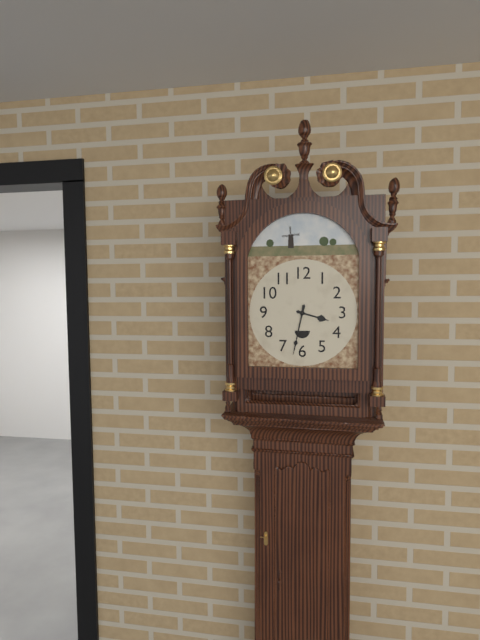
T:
3:32
